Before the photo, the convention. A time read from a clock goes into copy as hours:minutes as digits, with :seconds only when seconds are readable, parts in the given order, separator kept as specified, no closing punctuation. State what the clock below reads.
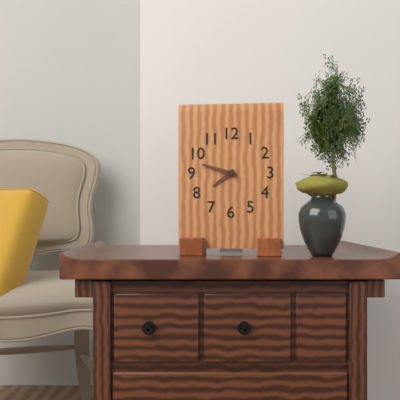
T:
7:48
